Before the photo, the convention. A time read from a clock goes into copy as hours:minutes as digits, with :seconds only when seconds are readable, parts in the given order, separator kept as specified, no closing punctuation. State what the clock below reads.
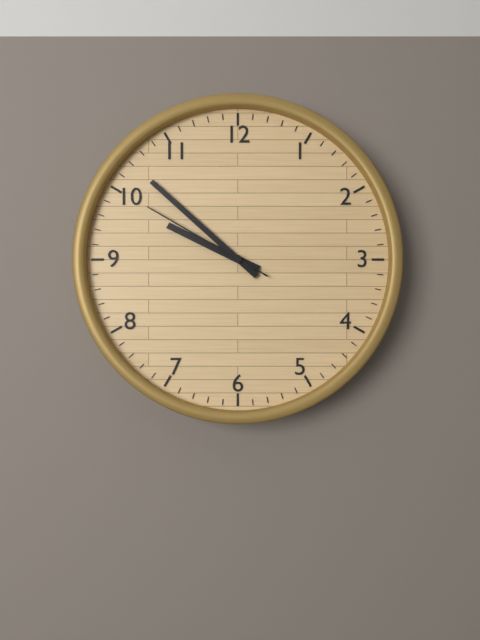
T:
9:52:50
